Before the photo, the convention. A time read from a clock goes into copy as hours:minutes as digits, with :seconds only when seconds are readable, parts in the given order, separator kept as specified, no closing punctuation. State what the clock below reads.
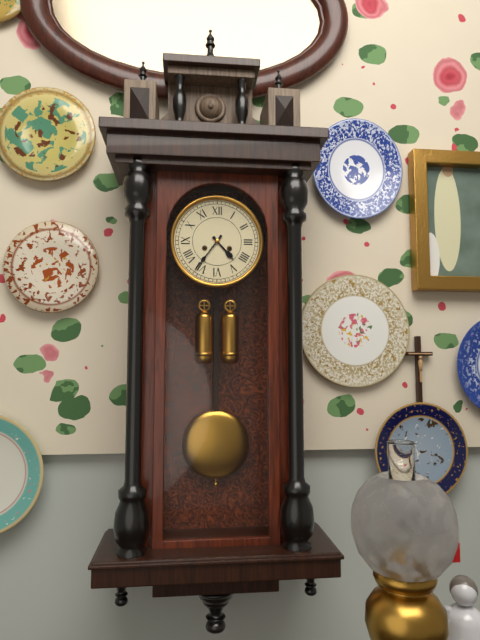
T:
4:36
